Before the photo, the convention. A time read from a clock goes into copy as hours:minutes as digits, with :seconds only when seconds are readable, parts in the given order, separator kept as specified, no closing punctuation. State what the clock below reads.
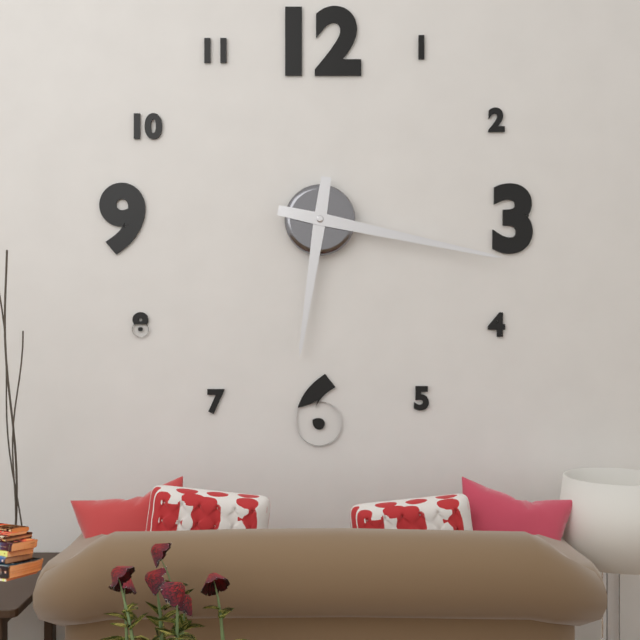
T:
6:17
